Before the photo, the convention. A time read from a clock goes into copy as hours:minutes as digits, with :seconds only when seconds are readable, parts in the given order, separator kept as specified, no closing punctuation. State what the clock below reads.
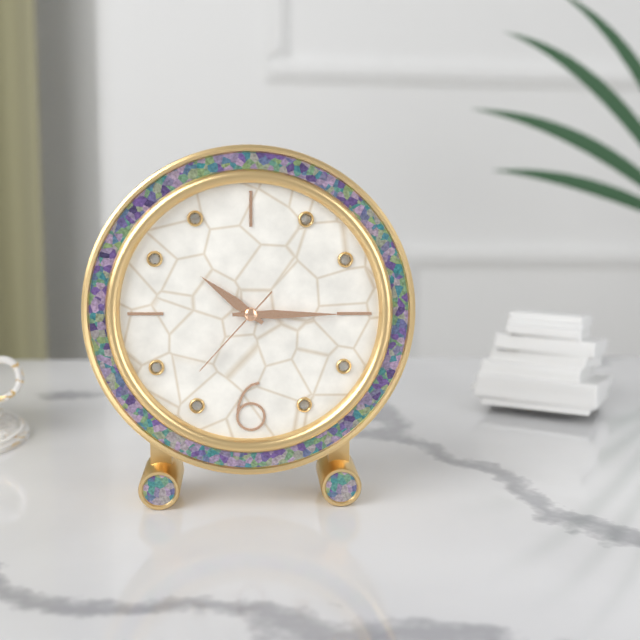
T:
10:15:37
